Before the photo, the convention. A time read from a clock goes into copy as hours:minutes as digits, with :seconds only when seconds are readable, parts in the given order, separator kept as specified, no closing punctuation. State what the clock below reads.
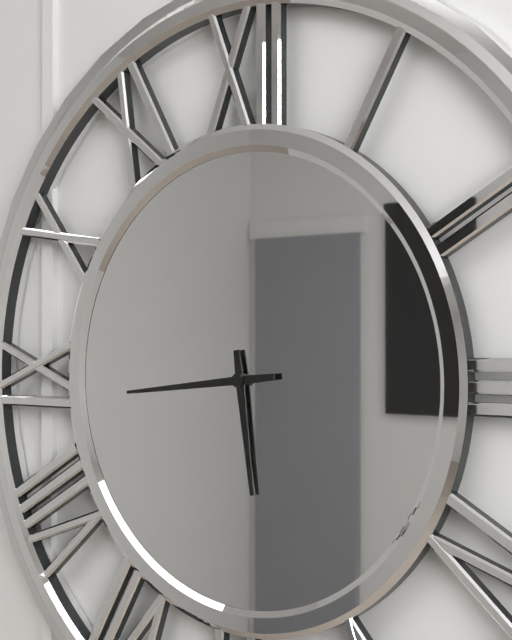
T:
5:44
